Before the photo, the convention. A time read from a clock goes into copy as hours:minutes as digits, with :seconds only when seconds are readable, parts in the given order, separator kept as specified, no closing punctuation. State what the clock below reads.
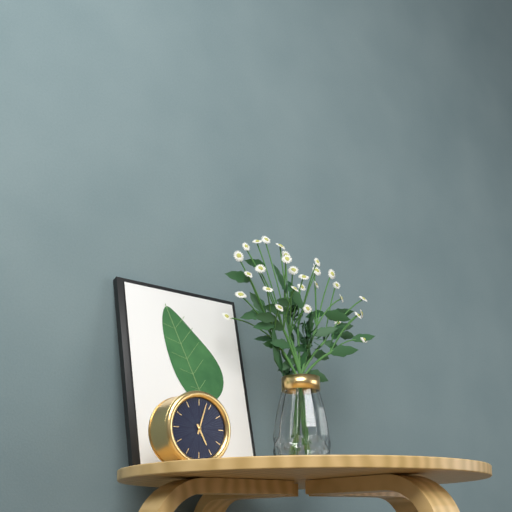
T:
5:03
